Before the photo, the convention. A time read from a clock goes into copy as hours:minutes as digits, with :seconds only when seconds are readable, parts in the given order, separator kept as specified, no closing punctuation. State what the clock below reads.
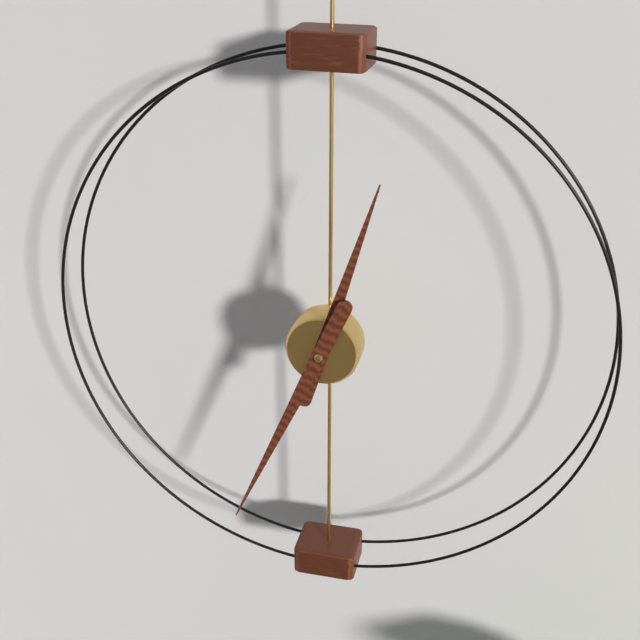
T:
12:34
